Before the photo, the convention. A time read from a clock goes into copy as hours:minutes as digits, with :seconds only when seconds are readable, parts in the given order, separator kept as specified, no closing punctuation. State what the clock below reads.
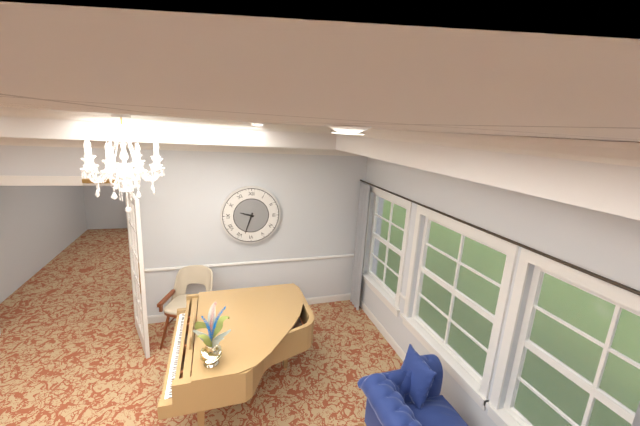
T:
9:33
